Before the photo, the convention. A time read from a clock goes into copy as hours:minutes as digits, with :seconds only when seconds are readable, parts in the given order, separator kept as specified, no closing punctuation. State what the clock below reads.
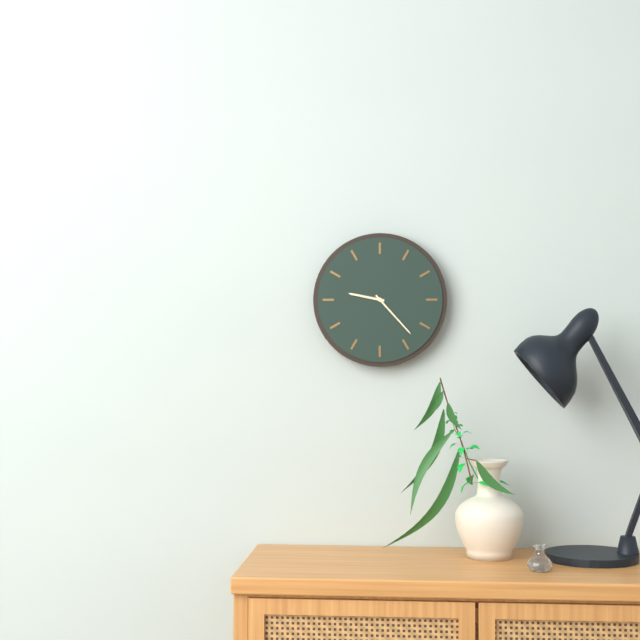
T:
9:23
